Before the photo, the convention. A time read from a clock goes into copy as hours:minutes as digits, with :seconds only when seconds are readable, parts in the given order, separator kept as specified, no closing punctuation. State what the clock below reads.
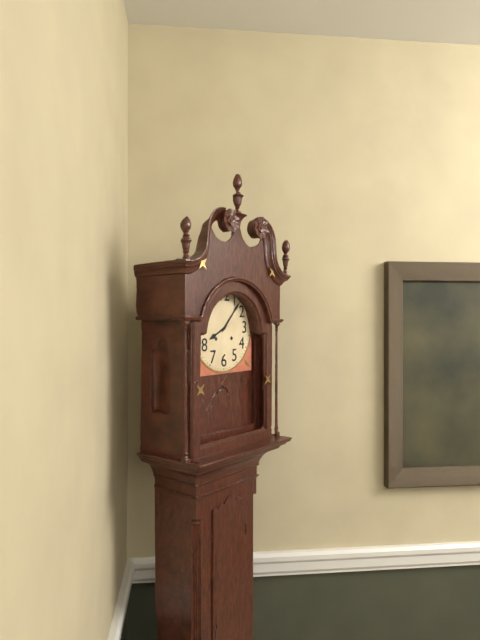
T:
8:07
